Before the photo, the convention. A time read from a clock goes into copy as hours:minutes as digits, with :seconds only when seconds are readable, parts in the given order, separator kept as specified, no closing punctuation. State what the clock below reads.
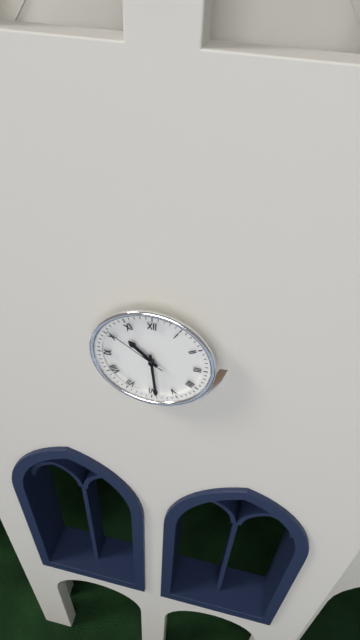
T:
10:29:51
